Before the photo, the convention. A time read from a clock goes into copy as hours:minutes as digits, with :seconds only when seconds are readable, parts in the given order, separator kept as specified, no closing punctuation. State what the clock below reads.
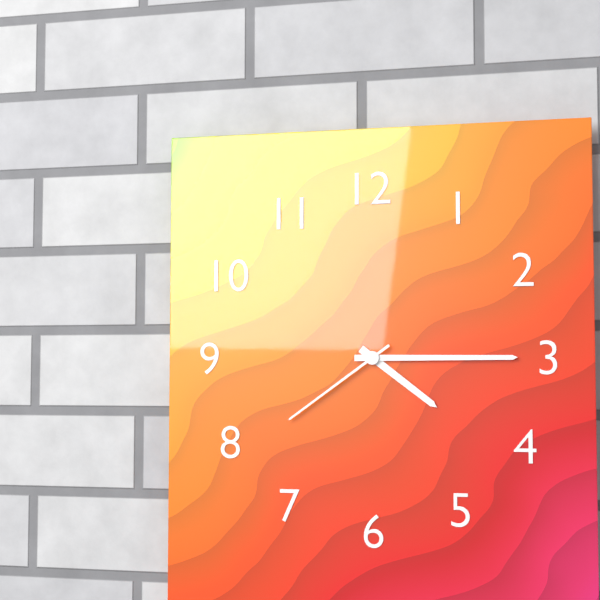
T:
4:15:39
